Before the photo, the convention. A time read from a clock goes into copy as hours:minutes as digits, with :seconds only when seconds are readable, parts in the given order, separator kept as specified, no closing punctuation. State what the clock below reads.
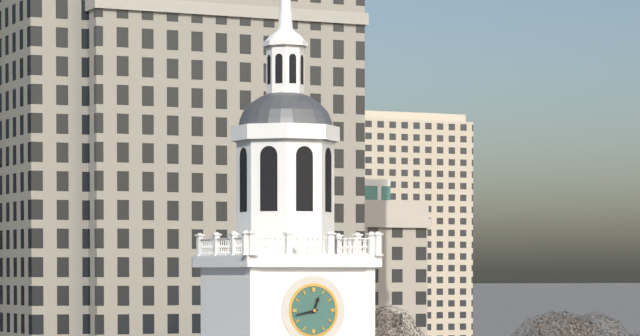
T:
12:43
